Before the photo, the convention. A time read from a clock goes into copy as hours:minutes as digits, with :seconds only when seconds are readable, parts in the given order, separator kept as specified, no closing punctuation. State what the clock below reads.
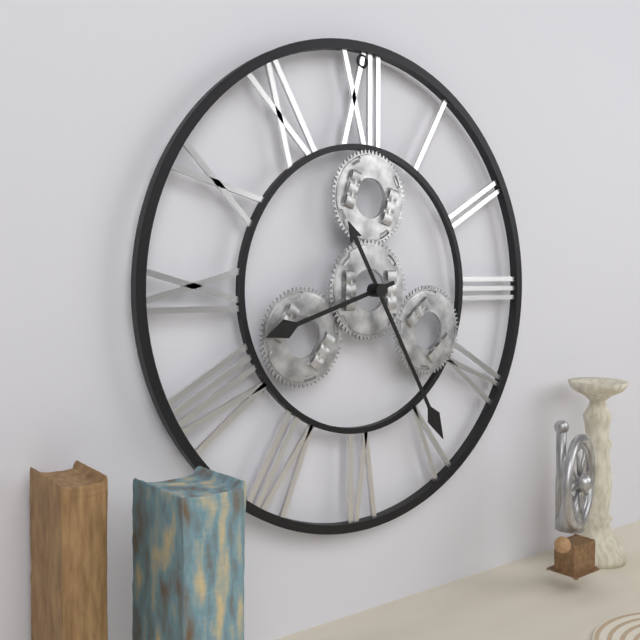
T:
8:25
